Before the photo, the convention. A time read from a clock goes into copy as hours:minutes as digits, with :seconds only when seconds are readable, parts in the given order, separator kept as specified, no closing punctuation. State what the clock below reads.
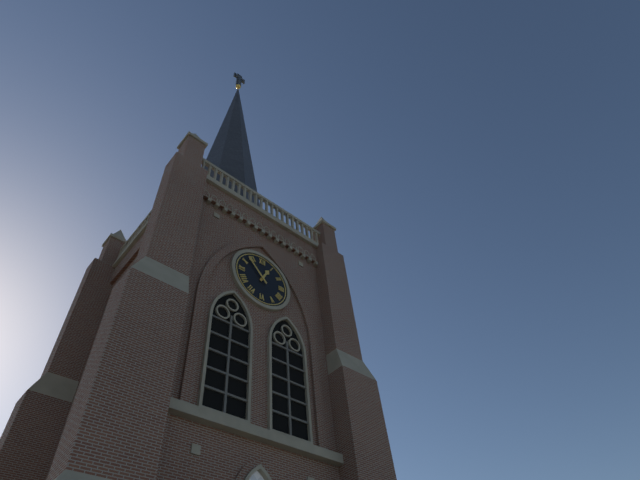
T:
12:53
